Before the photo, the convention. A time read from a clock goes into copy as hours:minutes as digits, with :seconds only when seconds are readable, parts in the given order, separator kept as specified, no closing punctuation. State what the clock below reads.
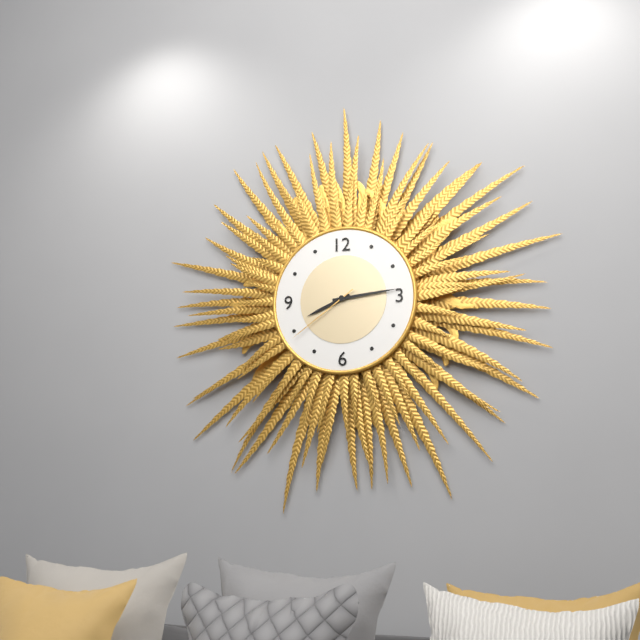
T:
8:14:39
